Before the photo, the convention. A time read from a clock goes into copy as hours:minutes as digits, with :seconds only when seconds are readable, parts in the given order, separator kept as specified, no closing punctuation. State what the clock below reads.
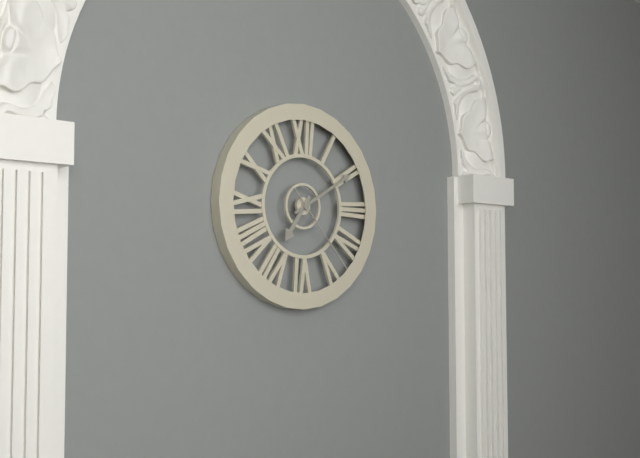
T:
7:10:23
